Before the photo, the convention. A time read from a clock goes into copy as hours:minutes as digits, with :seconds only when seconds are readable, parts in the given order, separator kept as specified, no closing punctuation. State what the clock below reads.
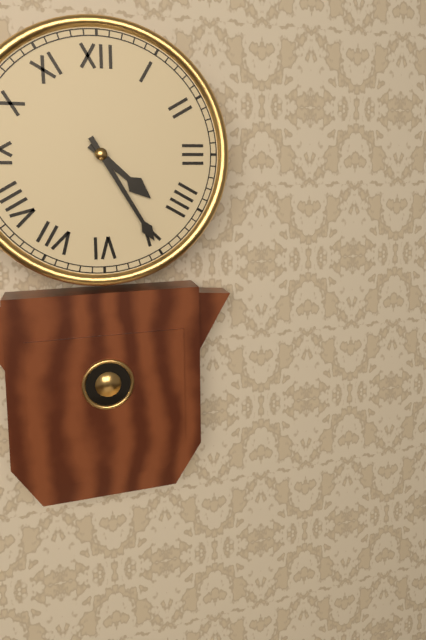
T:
4:25
